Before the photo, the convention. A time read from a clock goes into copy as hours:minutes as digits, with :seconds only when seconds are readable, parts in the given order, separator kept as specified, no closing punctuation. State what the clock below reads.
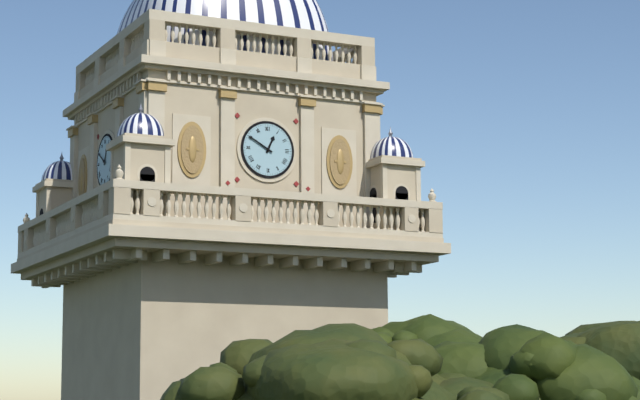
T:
12:50
